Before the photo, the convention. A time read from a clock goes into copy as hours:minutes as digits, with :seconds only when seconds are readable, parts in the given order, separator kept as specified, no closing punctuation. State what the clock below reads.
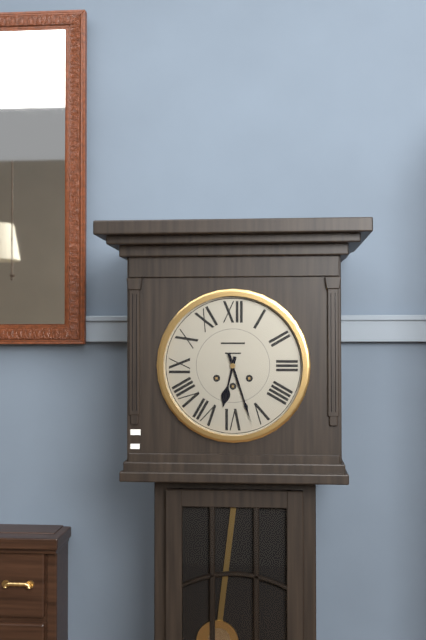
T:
6:27
